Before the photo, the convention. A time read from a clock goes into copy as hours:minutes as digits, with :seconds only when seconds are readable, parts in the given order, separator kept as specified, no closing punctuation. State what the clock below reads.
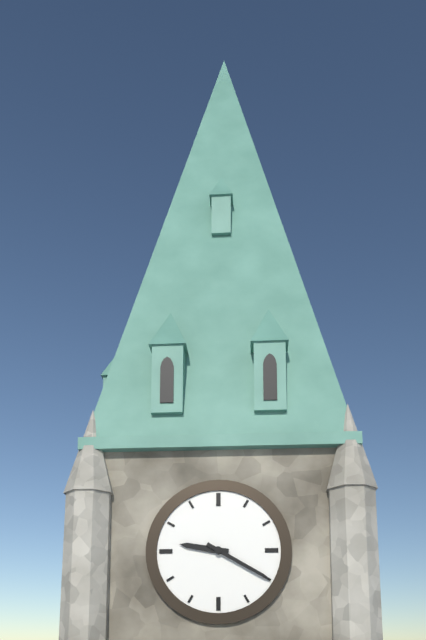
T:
9:20
